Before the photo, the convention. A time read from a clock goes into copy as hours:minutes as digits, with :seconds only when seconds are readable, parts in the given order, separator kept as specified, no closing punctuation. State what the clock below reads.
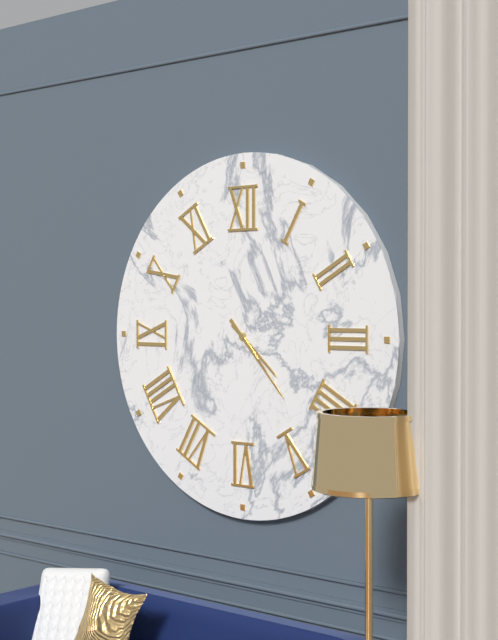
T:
4:23
